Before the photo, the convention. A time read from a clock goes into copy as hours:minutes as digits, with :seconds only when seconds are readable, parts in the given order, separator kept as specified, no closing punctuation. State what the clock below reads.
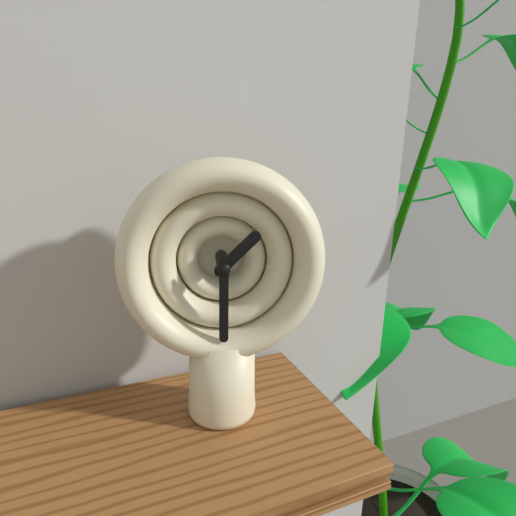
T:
1:30
